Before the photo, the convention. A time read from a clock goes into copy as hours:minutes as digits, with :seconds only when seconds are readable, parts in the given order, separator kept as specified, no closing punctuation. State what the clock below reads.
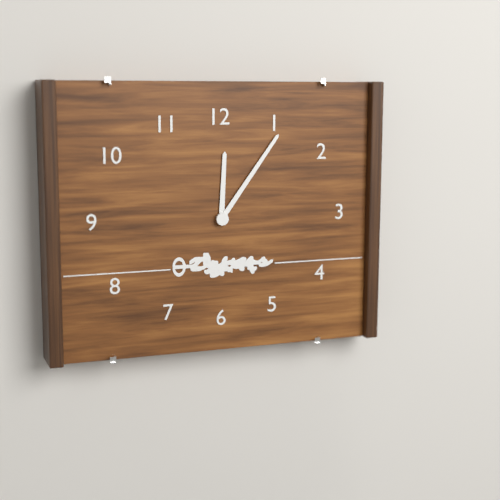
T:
12:06
